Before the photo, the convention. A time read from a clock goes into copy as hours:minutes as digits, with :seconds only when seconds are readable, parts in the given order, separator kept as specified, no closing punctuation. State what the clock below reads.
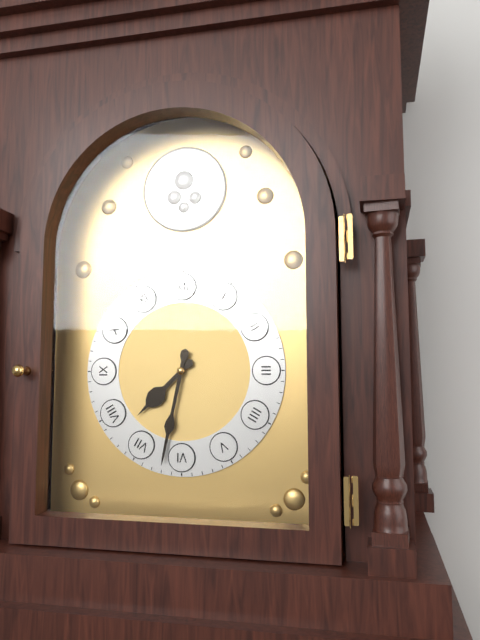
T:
7:32
